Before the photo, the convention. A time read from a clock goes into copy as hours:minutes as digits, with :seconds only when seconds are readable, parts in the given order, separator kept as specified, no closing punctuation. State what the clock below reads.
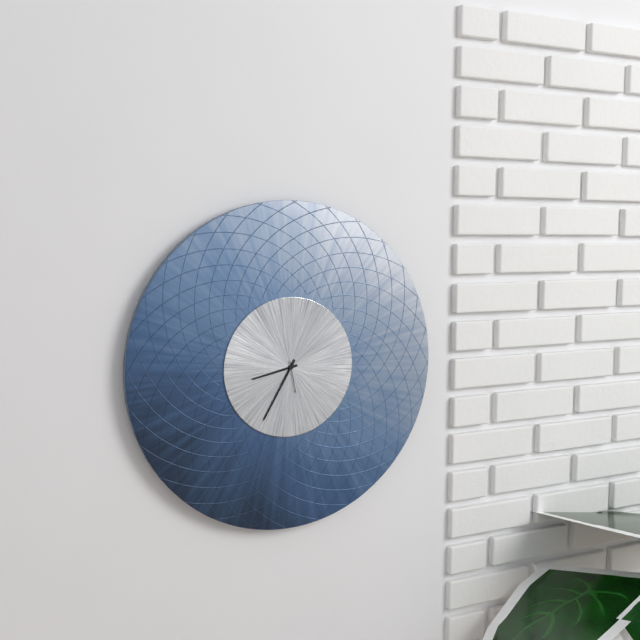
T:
8:35
